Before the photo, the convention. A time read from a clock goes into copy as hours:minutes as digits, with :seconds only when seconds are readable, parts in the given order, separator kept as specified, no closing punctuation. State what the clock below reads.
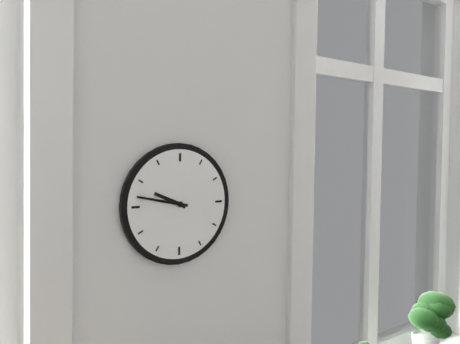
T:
9:47
